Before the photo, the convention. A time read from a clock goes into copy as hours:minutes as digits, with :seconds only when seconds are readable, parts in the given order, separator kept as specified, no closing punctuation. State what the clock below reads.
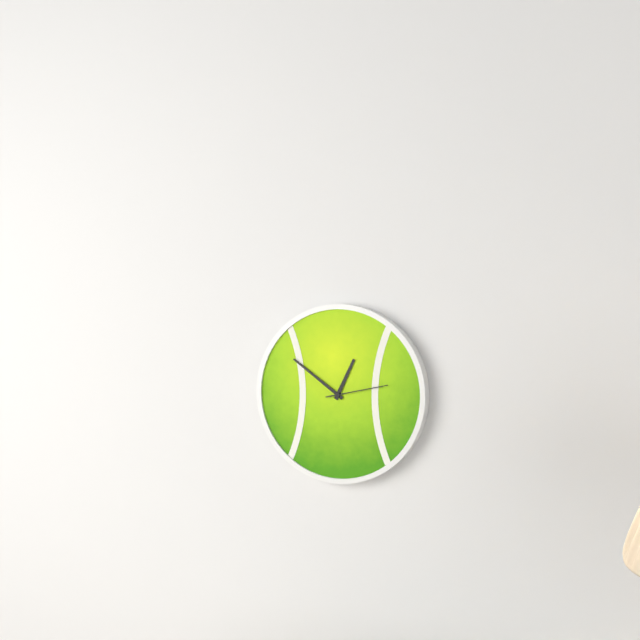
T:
12:51:13
